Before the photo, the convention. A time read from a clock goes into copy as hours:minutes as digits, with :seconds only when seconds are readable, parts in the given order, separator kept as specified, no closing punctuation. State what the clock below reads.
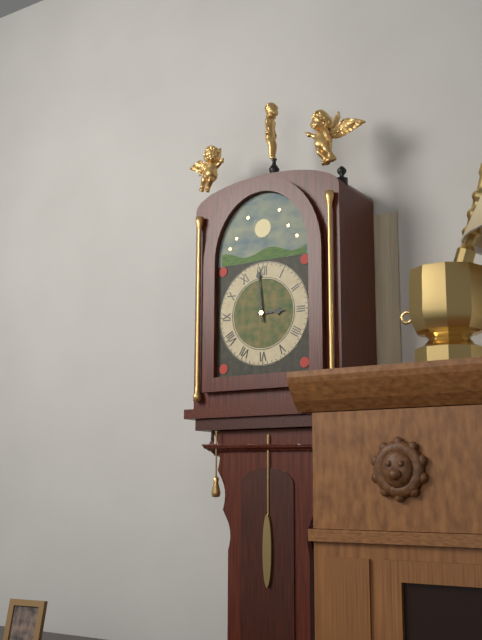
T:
2:59
